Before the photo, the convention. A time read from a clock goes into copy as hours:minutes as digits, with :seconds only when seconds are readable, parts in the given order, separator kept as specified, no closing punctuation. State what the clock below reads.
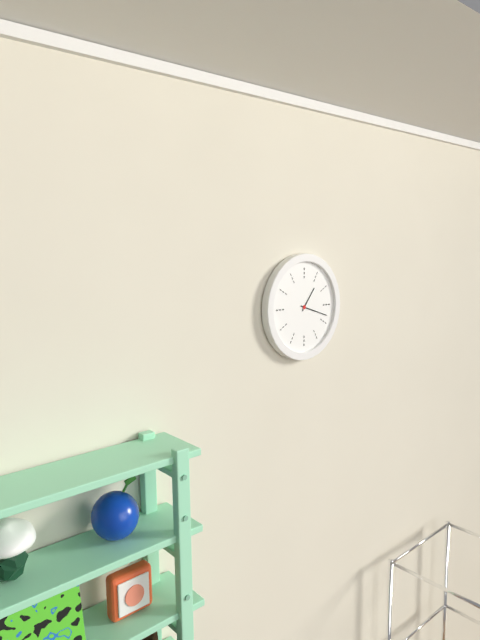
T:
1:18
